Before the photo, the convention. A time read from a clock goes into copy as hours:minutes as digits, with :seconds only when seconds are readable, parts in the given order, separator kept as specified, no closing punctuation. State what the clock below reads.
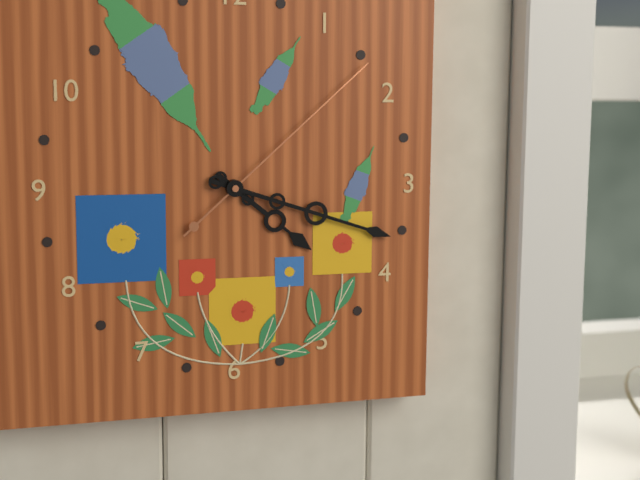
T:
4:18:08
